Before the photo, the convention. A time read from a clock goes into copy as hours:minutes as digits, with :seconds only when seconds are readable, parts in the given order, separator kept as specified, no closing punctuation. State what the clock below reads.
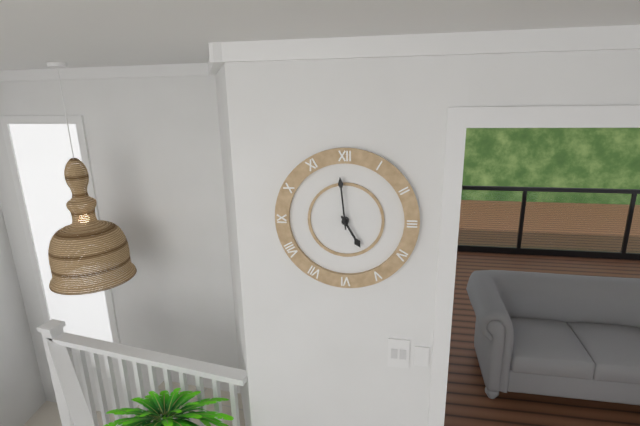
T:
4:59
